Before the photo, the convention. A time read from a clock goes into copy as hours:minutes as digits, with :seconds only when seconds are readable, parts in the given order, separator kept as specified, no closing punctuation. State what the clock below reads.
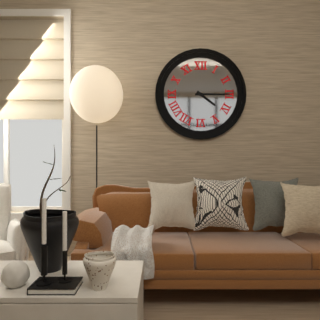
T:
4:15
